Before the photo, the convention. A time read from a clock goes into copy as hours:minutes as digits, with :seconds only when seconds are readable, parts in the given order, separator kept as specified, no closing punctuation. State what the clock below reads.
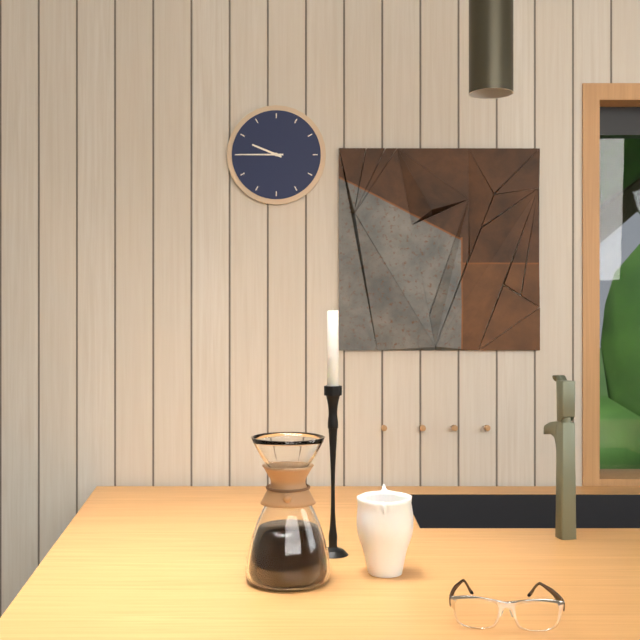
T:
9:45
